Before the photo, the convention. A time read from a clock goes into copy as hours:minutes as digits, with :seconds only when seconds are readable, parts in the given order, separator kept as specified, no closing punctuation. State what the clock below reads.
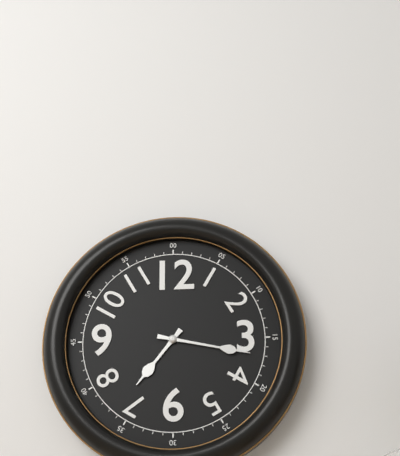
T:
7:17
